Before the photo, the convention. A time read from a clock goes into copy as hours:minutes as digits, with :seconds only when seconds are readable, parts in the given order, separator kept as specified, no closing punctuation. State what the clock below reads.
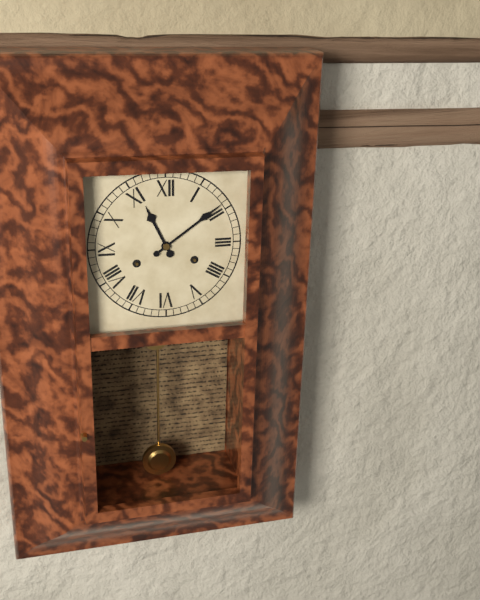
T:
11:09
